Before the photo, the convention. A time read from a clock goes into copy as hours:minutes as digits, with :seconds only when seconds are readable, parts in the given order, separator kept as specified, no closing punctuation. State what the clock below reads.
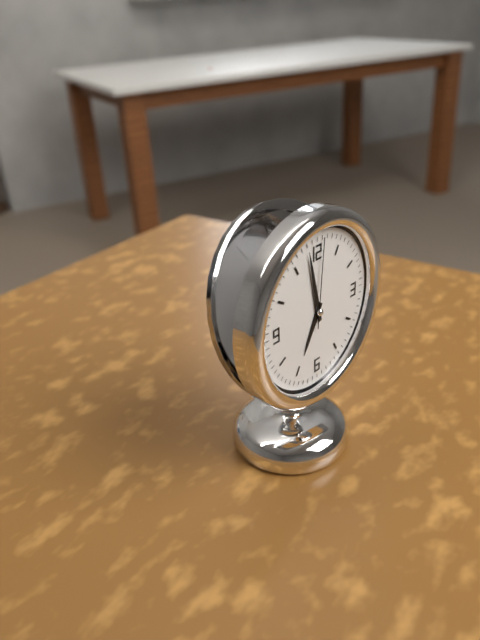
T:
6:58:01
